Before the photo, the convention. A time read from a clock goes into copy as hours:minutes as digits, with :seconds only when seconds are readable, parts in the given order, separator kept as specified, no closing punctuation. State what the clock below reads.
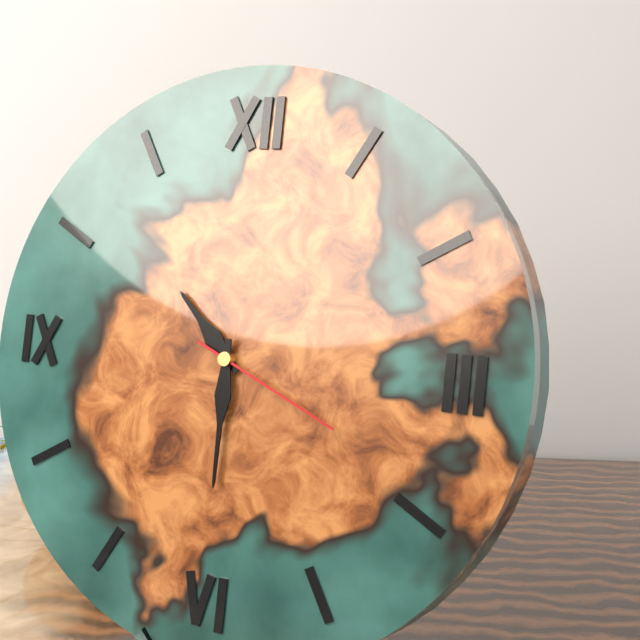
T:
10:30:19
